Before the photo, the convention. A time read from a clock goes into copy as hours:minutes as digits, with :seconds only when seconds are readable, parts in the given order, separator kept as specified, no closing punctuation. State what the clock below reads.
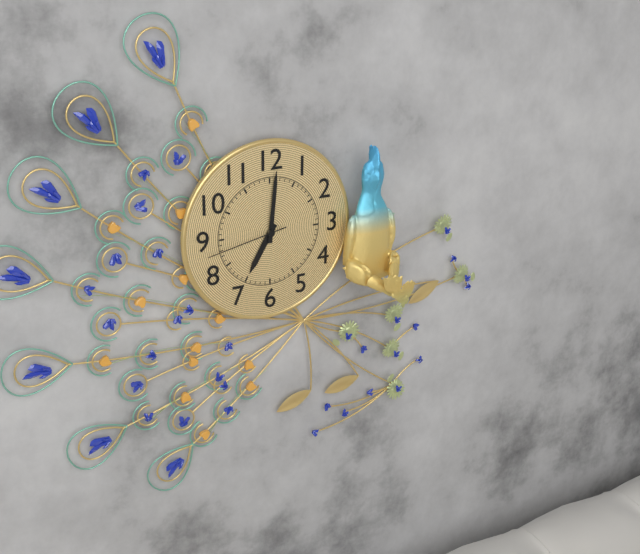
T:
7:01:43
